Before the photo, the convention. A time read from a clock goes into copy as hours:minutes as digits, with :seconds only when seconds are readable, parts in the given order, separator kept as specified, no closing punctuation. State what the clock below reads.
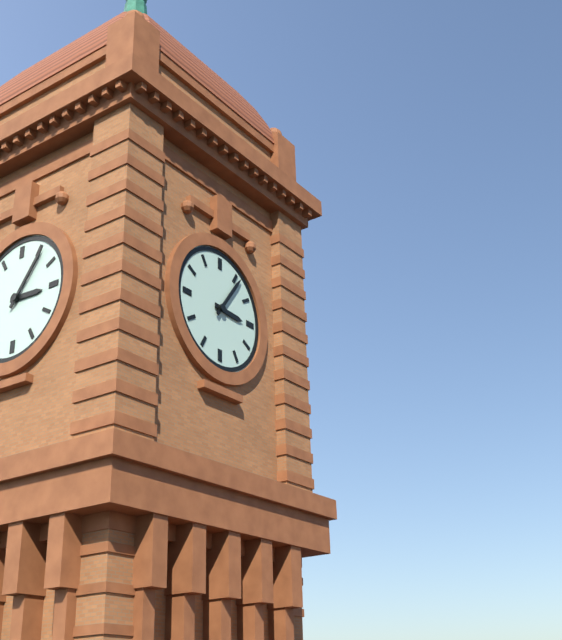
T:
3:06
